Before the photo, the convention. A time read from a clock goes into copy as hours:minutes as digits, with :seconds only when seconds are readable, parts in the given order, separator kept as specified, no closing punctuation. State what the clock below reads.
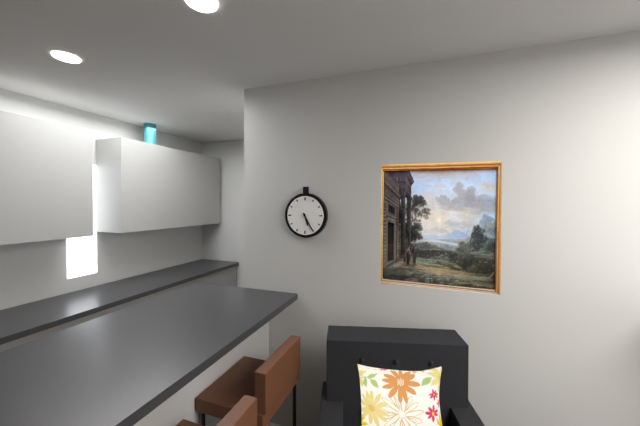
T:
5:25
